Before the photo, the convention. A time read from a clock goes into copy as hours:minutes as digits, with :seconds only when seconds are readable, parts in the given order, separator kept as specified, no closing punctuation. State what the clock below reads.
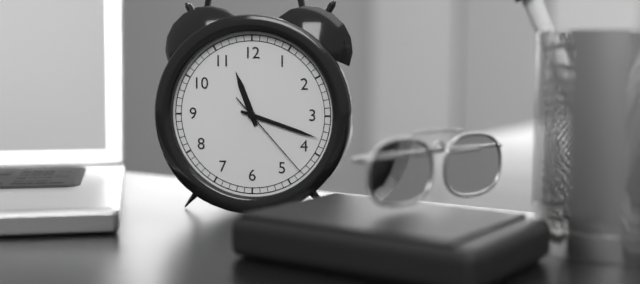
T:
11:18:23
